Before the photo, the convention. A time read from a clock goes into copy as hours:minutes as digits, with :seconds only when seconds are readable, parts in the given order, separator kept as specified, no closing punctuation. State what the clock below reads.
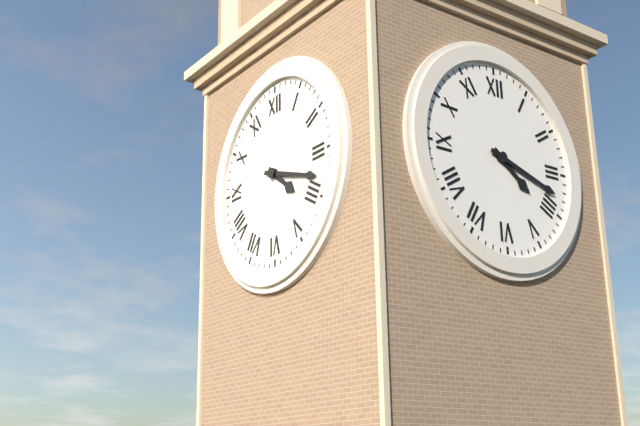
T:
4:18
